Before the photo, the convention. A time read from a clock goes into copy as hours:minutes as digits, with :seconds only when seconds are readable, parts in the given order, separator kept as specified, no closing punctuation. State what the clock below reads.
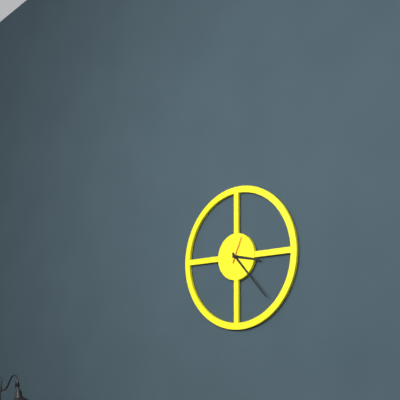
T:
3:23
